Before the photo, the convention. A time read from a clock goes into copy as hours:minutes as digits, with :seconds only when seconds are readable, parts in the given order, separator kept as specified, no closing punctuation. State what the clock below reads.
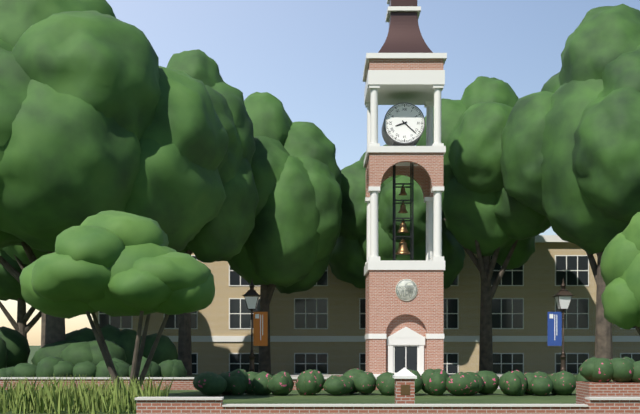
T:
8:22
